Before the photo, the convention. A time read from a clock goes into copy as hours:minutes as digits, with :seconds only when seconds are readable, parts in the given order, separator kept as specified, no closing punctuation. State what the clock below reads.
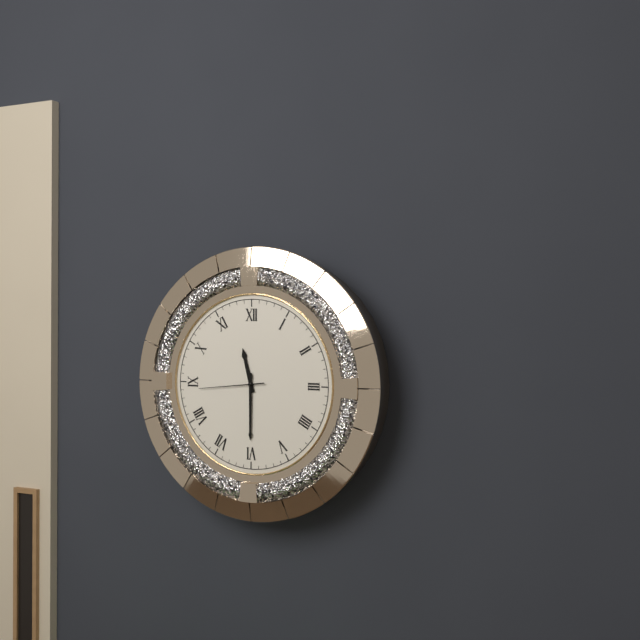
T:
11:30:44
